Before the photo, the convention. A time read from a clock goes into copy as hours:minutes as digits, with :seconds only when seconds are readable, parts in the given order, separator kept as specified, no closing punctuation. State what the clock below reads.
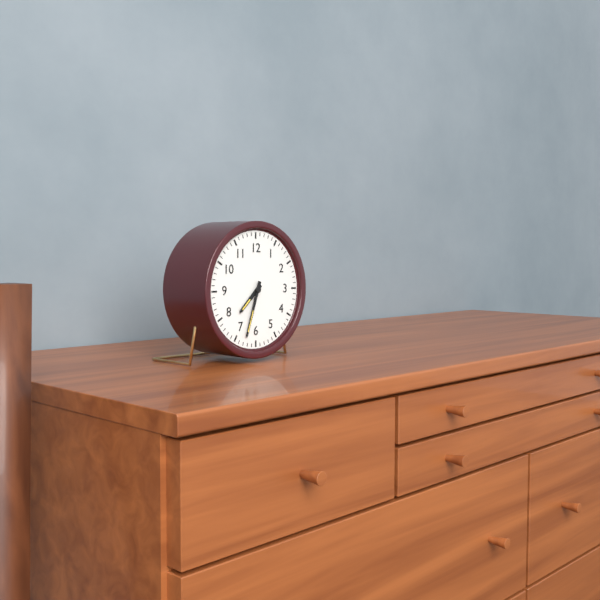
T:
7:33
